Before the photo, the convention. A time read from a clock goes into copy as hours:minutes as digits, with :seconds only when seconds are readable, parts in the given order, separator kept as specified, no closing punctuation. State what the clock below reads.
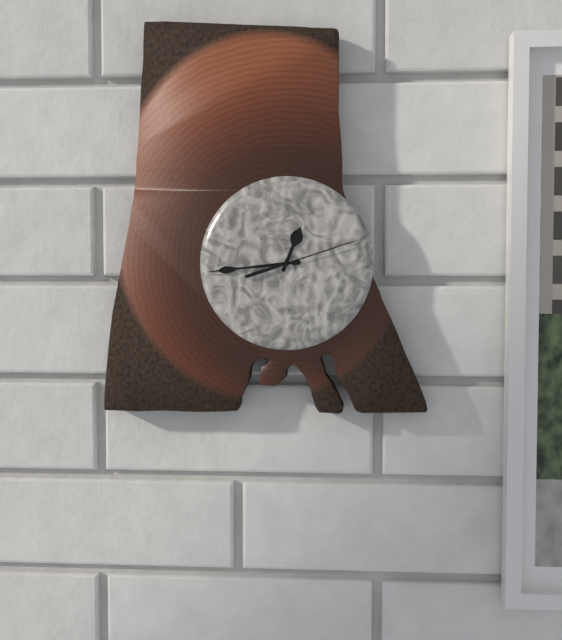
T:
12:44:12
